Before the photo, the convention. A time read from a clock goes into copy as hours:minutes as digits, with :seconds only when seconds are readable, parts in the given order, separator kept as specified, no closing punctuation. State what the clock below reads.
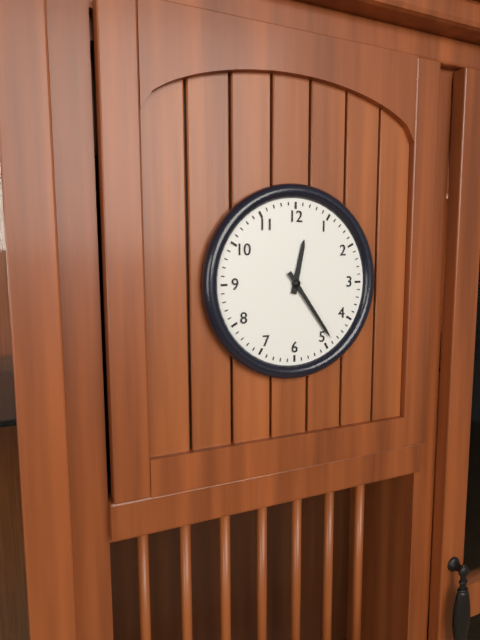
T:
12:24
